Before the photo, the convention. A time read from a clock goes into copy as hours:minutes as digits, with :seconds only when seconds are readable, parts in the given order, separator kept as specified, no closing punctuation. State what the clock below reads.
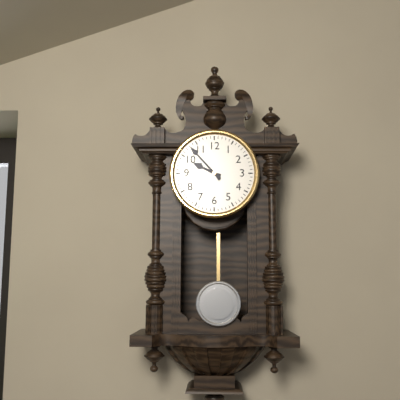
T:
9:53
